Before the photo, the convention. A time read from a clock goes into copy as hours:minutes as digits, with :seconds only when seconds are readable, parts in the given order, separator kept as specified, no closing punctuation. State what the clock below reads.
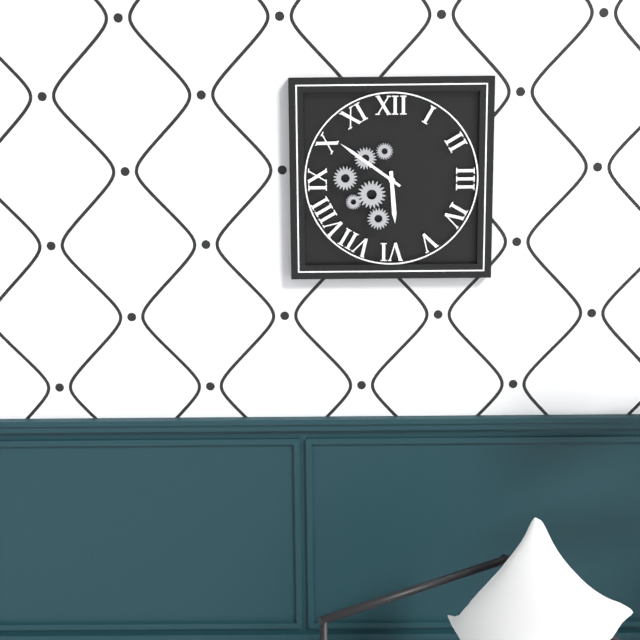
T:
5:51
